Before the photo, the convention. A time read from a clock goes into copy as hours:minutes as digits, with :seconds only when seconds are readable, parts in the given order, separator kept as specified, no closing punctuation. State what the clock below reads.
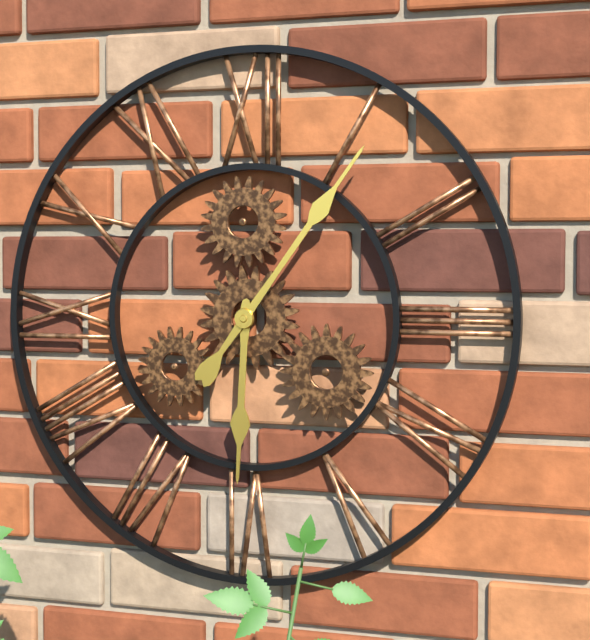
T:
6:06
